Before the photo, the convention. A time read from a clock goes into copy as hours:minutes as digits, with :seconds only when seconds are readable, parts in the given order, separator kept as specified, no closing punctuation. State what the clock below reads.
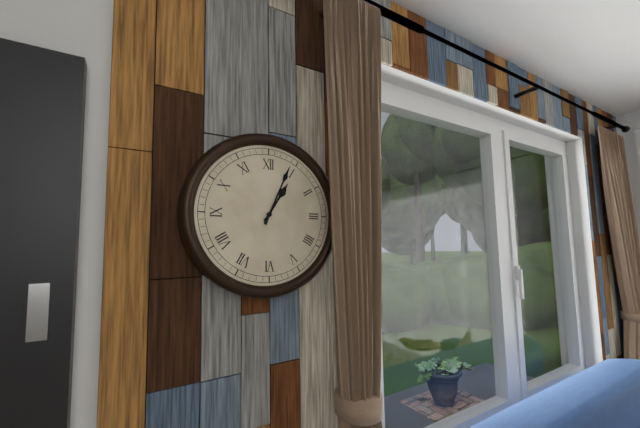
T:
1:04
